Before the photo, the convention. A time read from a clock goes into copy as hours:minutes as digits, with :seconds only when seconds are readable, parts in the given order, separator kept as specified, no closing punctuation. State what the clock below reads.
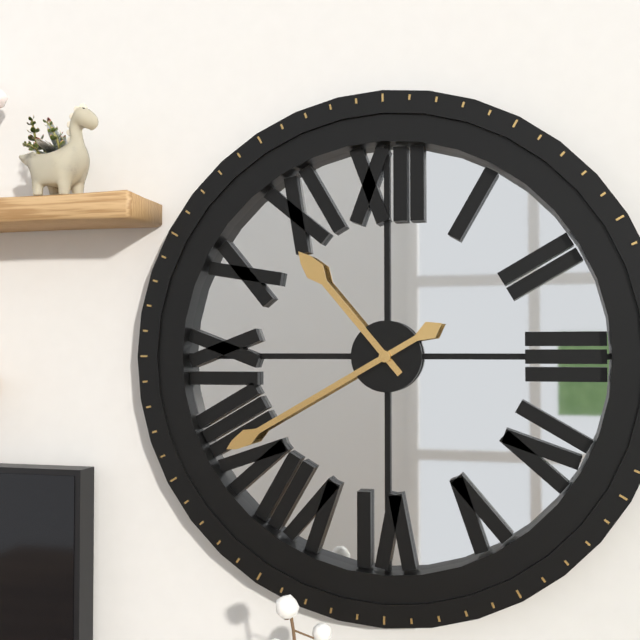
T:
10:40
